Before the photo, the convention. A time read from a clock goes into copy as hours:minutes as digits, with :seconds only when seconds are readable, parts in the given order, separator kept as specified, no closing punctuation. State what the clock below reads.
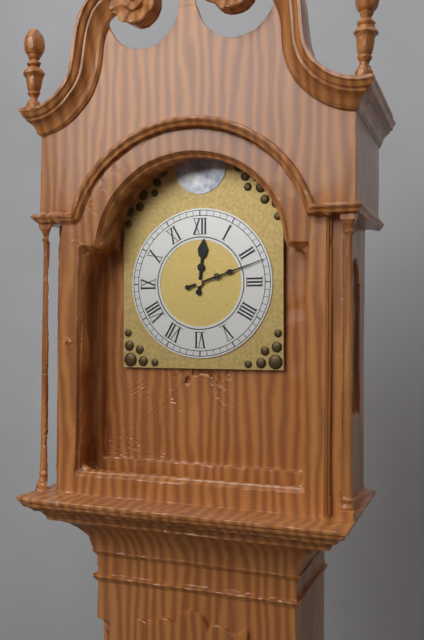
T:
12:12
